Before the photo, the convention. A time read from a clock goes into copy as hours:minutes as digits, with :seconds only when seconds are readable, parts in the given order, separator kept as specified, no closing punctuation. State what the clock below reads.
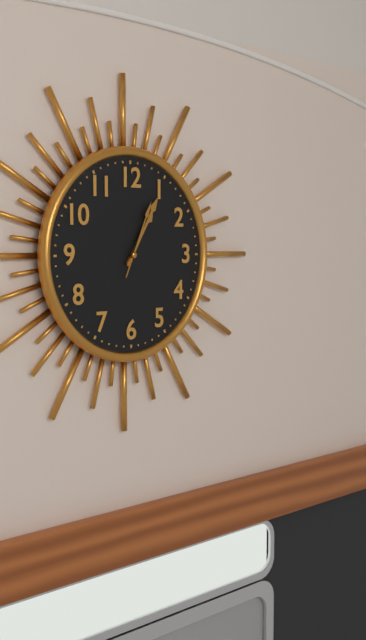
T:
1:05:04
